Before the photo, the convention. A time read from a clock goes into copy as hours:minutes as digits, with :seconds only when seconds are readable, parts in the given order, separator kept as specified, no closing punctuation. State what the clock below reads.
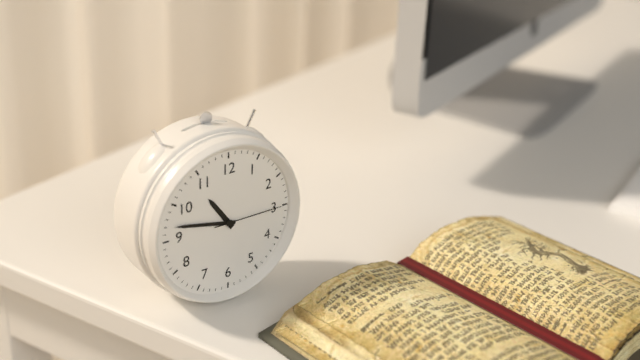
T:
10:47:15
